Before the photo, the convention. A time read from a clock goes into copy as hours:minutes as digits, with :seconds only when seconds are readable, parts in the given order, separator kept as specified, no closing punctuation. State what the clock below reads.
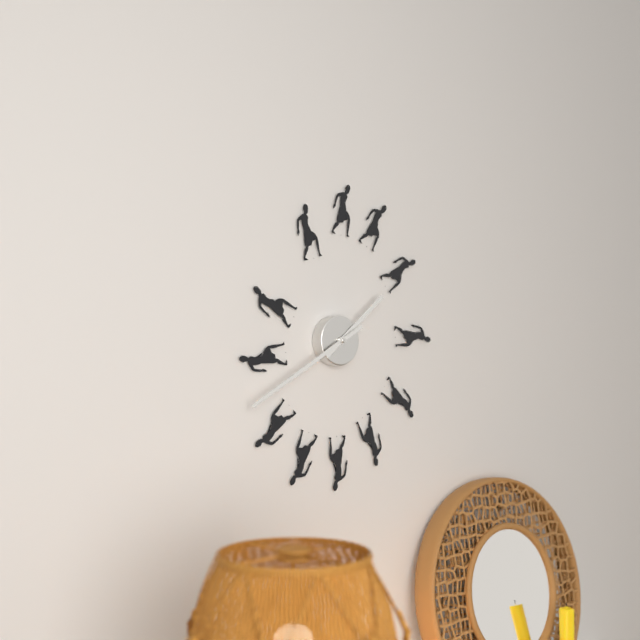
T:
1:40
